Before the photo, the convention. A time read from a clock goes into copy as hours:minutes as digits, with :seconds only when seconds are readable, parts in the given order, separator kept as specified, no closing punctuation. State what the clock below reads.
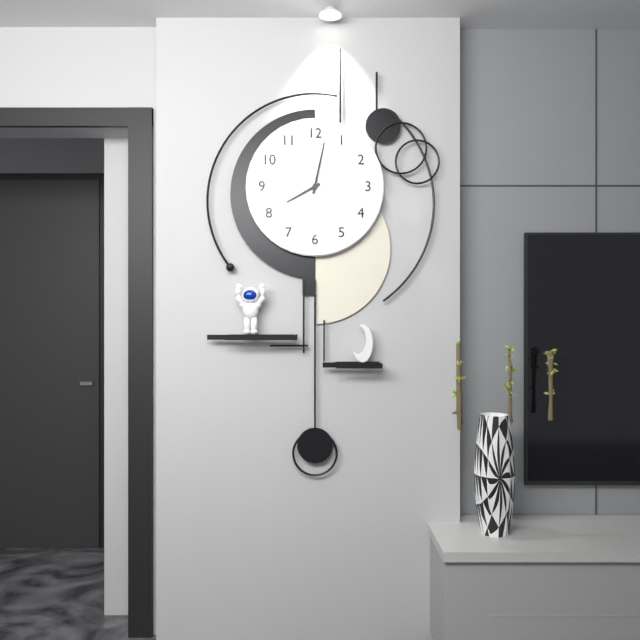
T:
8:02
